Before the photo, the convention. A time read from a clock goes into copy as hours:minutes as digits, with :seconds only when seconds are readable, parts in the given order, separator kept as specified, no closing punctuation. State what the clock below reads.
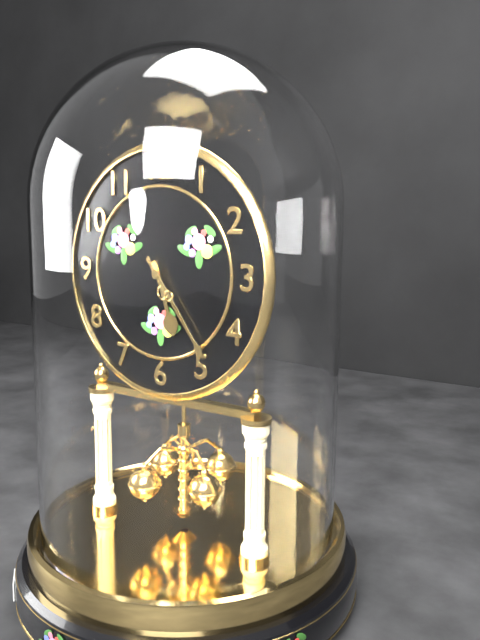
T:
5:24
